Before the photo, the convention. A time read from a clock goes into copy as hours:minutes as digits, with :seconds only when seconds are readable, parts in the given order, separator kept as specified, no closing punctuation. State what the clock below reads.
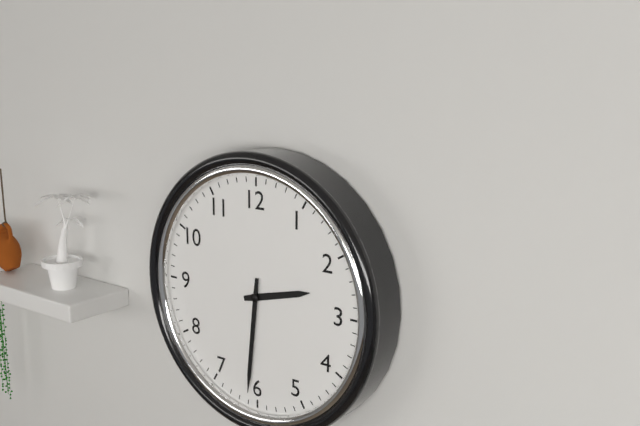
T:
2:31
